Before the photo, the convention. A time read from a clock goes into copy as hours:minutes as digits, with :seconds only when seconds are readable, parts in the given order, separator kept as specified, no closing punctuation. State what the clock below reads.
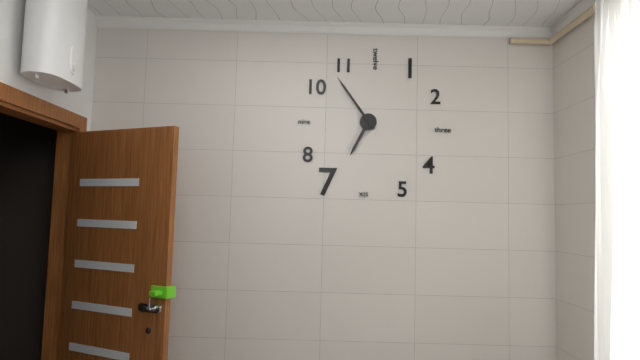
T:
6:54
